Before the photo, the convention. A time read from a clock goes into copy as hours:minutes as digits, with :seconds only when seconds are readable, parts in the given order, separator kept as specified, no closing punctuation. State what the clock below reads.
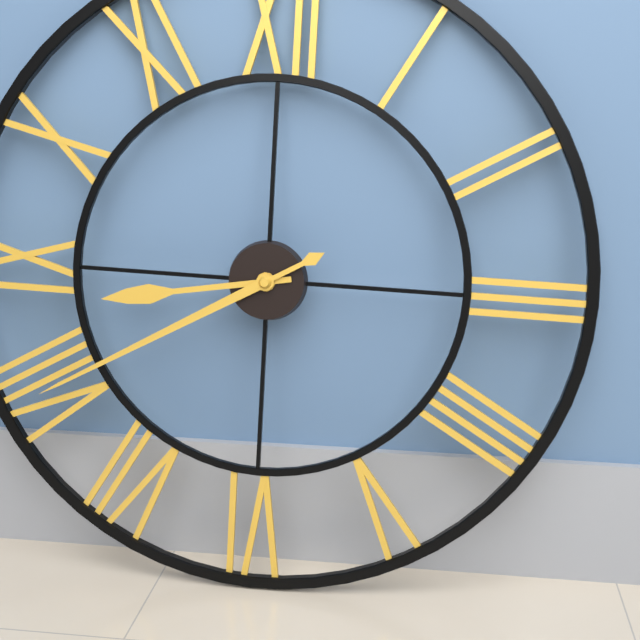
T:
8:40
